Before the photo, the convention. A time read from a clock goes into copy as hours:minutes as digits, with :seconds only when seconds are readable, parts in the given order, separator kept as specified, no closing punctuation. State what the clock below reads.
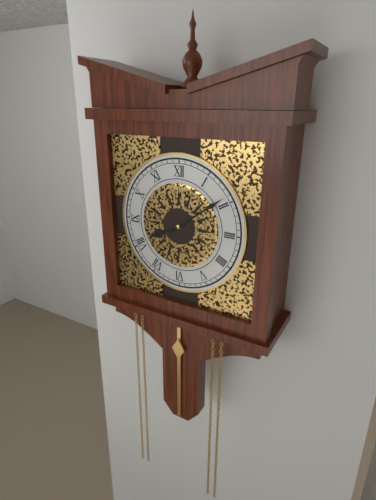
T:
8:09
